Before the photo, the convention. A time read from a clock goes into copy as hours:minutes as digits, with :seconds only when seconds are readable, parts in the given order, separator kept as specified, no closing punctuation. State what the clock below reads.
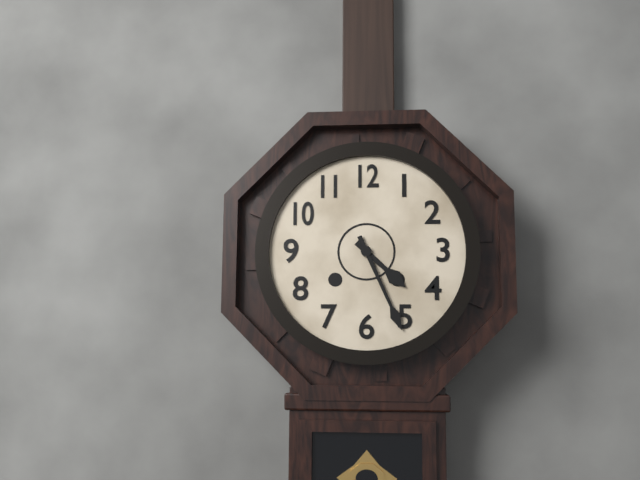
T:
4:26
